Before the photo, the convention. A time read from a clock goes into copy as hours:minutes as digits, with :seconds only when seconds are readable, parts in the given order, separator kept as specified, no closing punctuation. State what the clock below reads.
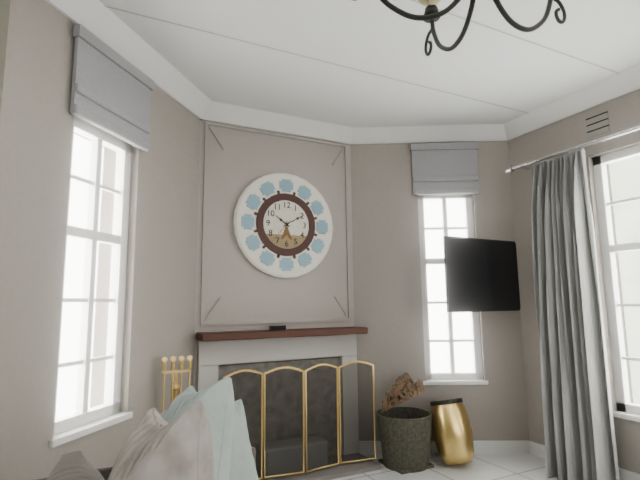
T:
10:10
